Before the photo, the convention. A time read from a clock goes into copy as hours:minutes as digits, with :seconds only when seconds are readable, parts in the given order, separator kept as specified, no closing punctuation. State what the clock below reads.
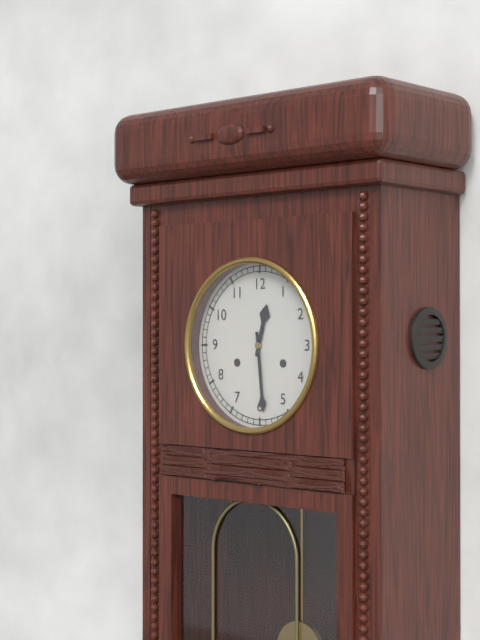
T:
12:29
